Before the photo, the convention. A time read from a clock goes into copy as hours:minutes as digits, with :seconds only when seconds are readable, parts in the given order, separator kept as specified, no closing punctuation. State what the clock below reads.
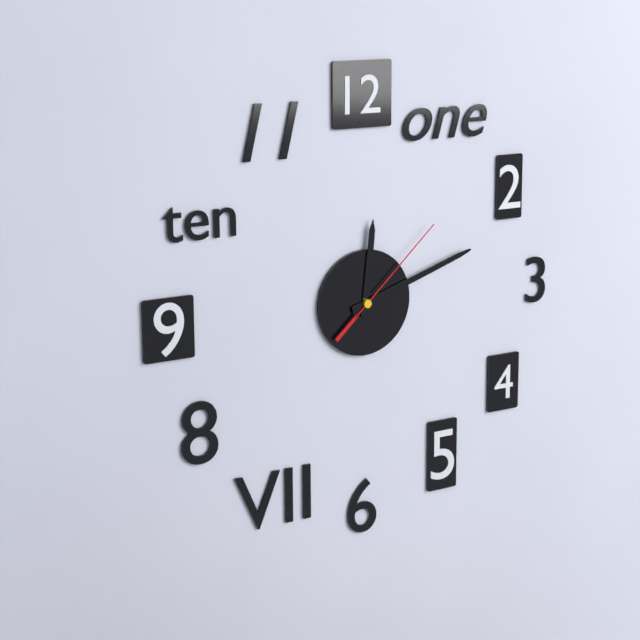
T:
12:12:08
